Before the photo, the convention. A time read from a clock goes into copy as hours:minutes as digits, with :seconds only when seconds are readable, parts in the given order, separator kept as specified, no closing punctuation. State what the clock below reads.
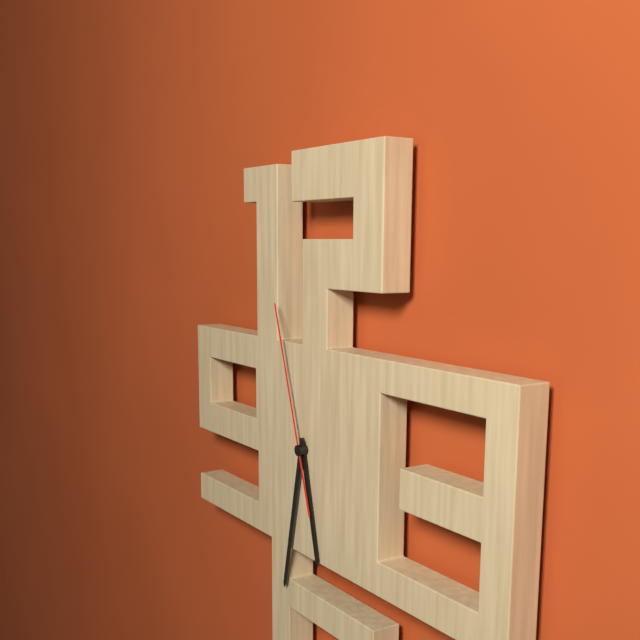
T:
5:32:57
